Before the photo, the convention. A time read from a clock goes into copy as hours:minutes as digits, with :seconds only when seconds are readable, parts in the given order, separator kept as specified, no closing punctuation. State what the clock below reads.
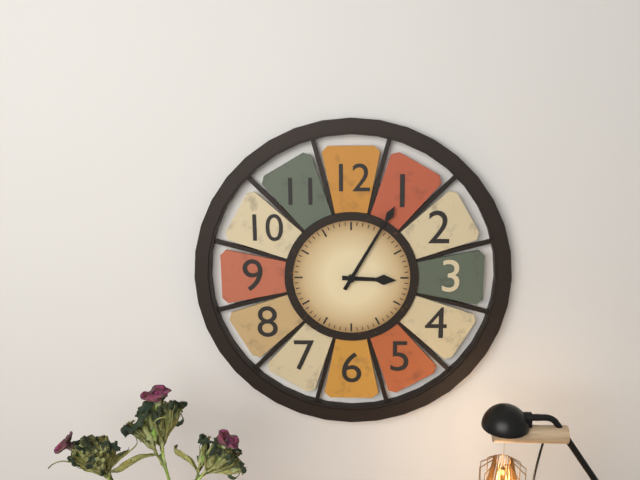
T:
3:05
